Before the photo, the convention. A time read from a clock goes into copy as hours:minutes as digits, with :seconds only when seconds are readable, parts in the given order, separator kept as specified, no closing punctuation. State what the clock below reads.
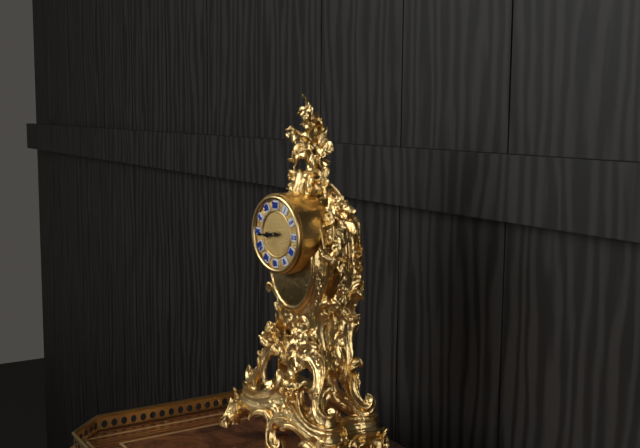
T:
8:44
